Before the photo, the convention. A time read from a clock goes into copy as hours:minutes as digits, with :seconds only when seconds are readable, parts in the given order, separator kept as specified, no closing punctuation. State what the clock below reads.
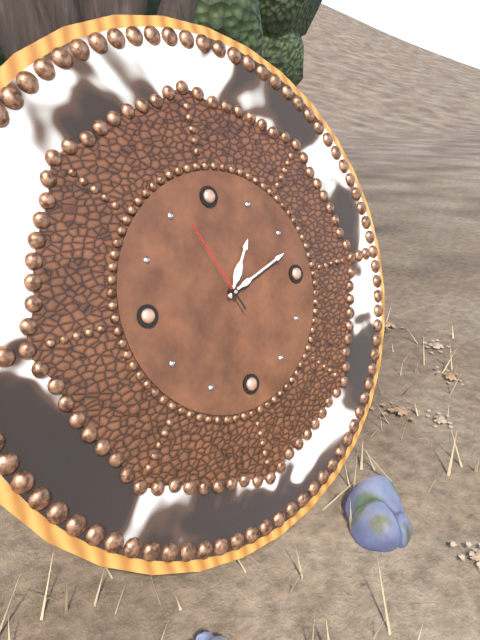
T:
1:12:56
